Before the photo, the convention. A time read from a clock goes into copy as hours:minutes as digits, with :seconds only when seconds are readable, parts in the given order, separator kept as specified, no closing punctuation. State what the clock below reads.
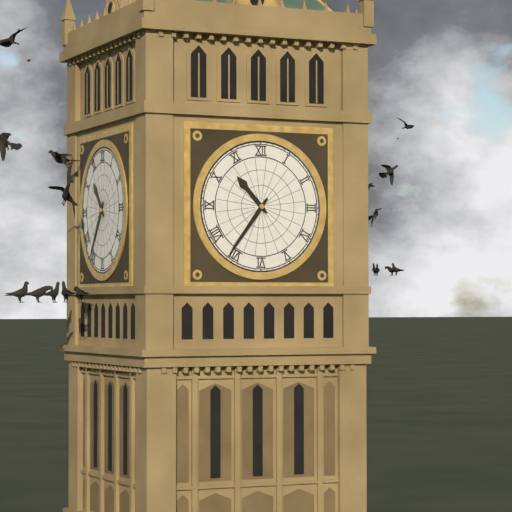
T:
10:36
